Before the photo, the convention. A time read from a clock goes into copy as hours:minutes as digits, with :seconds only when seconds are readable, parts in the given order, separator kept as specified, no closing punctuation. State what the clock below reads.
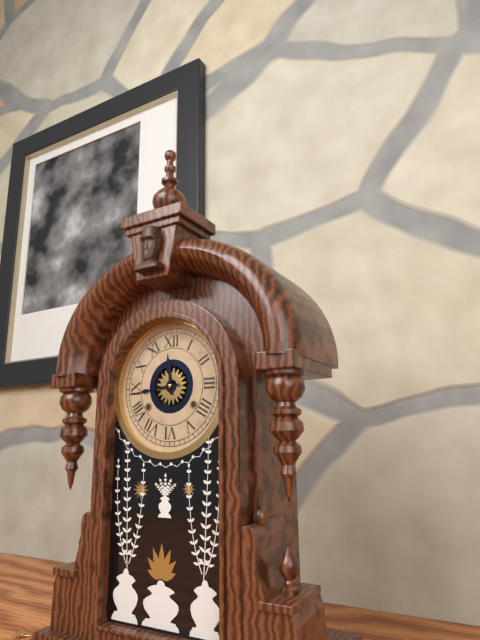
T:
11:44
